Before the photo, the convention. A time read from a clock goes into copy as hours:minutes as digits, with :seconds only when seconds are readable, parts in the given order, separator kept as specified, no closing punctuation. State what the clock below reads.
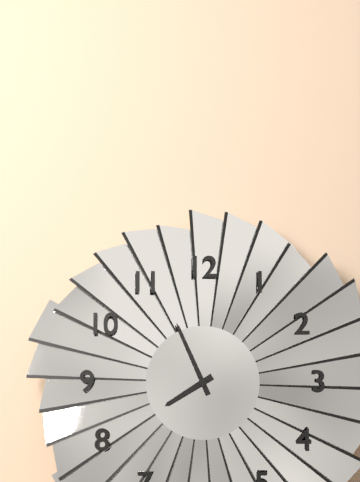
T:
7:56
